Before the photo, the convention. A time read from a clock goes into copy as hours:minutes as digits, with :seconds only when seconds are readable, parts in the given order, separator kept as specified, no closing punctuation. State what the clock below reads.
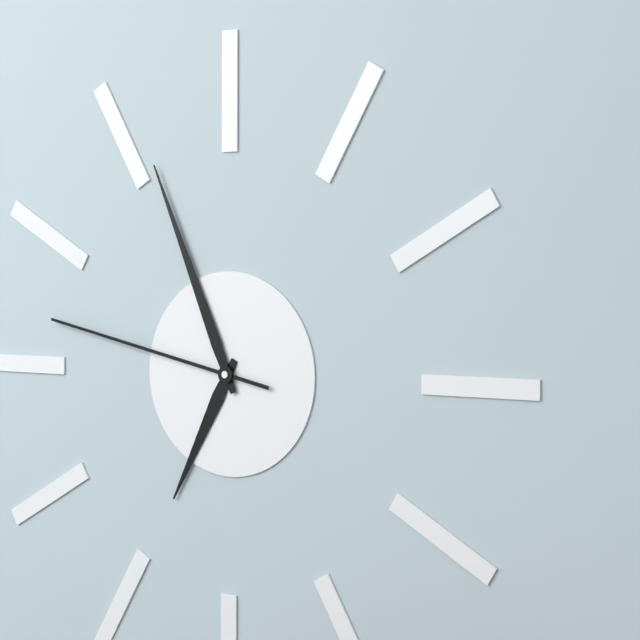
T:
6:56:47
